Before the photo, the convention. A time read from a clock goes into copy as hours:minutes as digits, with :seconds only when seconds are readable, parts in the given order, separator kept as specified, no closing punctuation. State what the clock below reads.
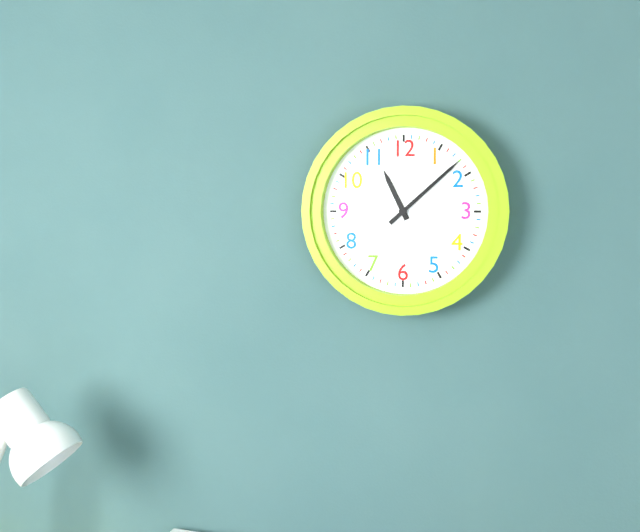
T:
11:08
